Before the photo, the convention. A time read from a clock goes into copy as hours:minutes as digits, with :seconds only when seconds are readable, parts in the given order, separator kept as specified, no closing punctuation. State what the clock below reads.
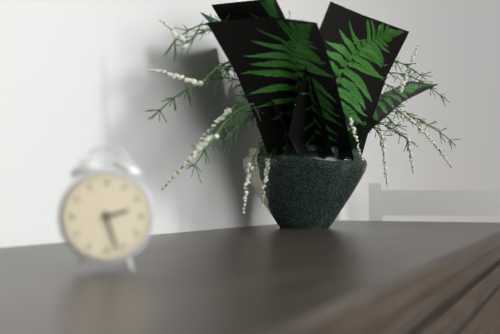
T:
2:27
